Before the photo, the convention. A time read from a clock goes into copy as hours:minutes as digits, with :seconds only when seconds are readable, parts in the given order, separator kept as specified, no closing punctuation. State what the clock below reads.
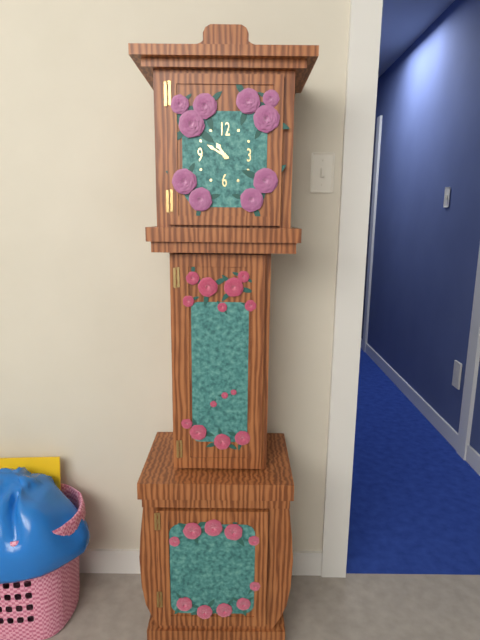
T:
10:50
